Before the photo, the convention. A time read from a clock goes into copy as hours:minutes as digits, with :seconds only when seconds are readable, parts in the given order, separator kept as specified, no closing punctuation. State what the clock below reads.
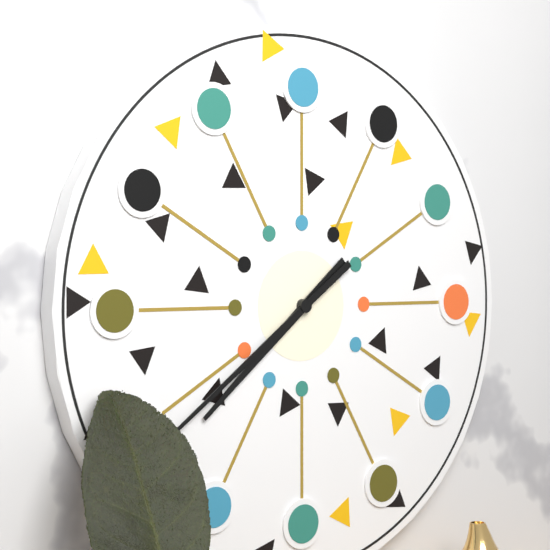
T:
7:39
